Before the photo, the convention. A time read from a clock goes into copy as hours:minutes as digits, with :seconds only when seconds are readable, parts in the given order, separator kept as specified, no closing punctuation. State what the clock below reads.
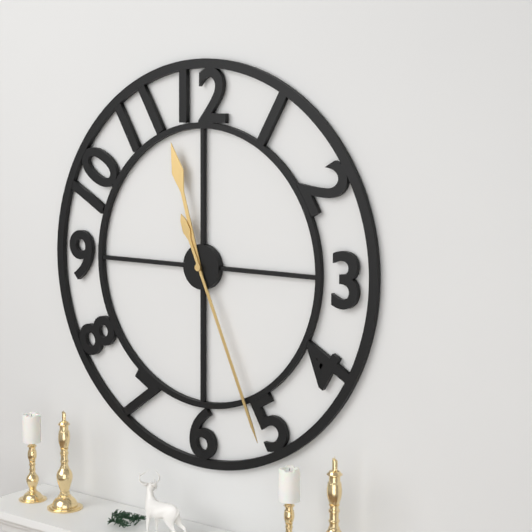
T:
11:26
